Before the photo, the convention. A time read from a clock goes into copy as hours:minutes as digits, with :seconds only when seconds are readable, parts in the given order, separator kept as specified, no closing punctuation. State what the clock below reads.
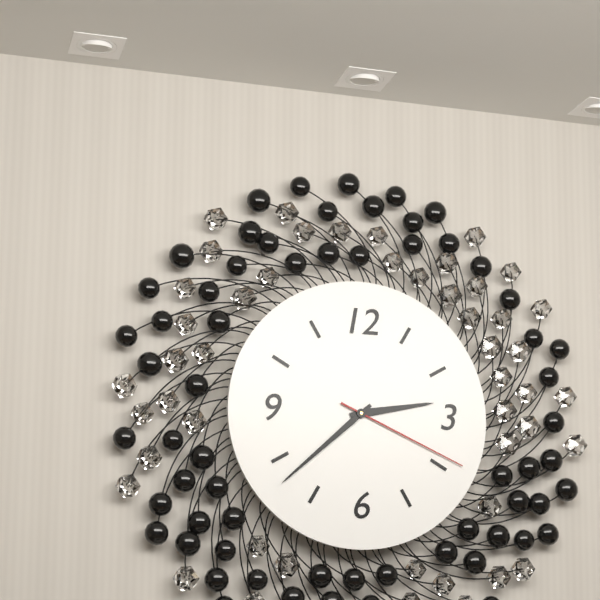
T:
2:38:19
